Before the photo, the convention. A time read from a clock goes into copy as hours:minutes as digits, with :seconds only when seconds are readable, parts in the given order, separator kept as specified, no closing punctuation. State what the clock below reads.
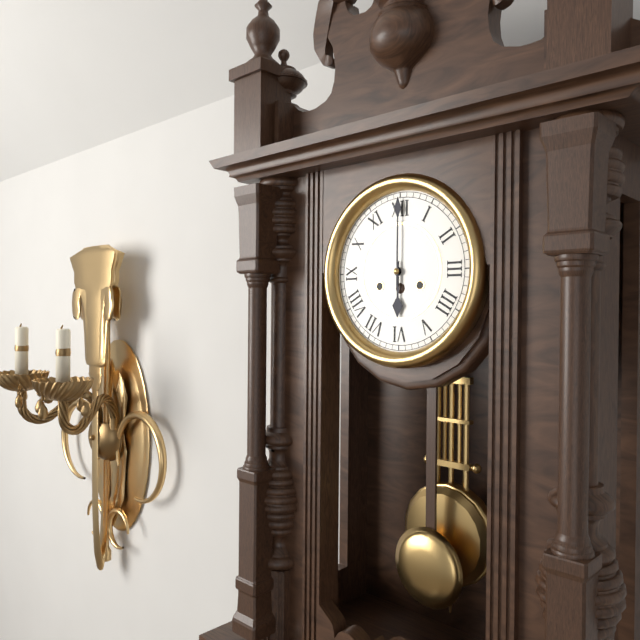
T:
6:00
